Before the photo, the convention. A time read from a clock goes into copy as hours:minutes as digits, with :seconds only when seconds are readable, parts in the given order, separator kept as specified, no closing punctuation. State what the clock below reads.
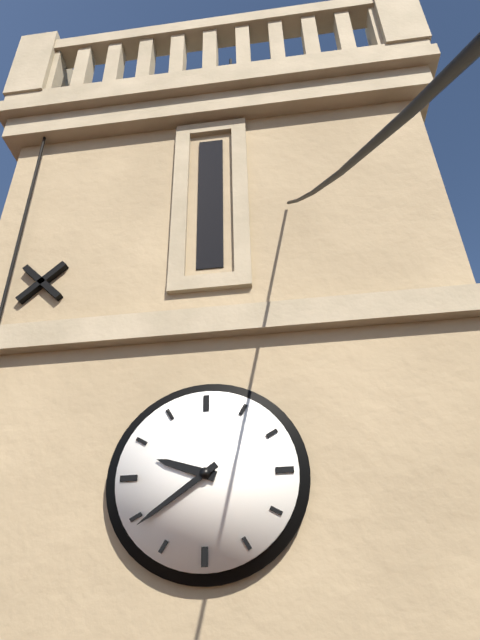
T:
9:39
